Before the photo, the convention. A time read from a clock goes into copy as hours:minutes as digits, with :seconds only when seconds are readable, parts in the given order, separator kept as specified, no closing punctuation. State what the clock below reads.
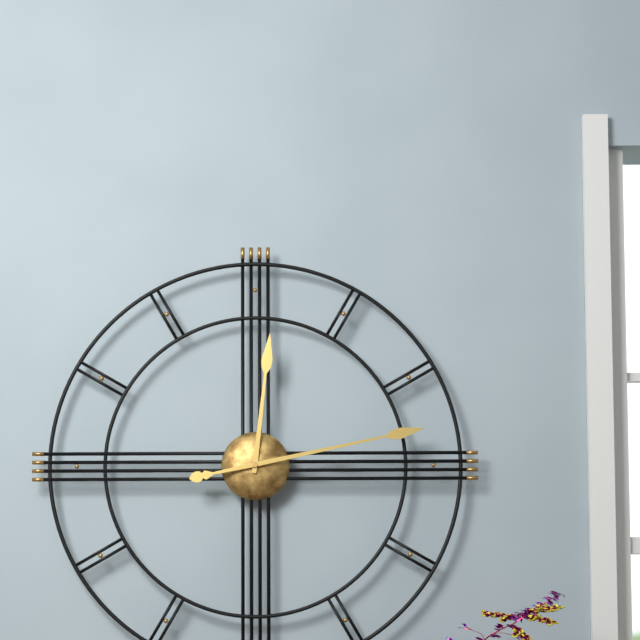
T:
12:13
